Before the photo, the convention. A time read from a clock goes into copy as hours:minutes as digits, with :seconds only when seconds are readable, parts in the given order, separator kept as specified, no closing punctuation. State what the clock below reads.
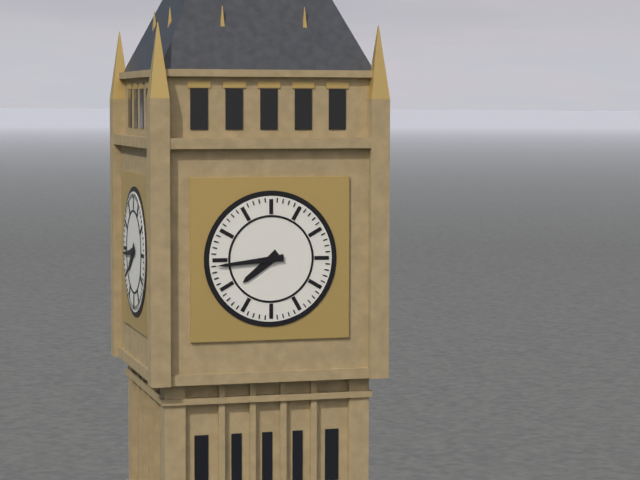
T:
7:44
